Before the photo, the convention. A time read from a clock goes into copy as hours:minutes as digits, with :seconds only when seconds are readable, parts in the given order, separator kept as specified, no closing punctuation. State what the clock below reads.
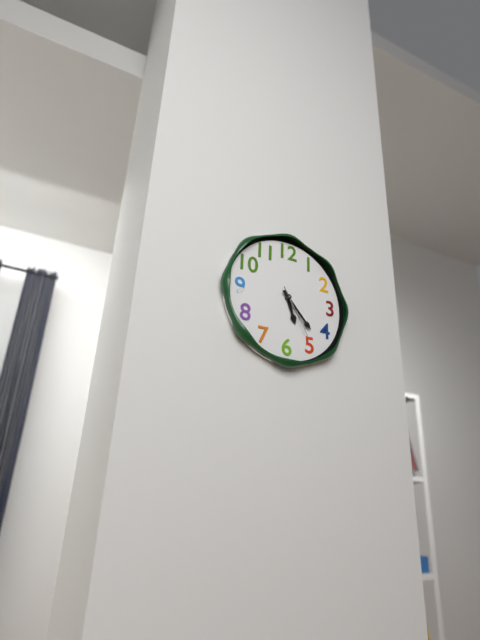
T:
5:23:25
